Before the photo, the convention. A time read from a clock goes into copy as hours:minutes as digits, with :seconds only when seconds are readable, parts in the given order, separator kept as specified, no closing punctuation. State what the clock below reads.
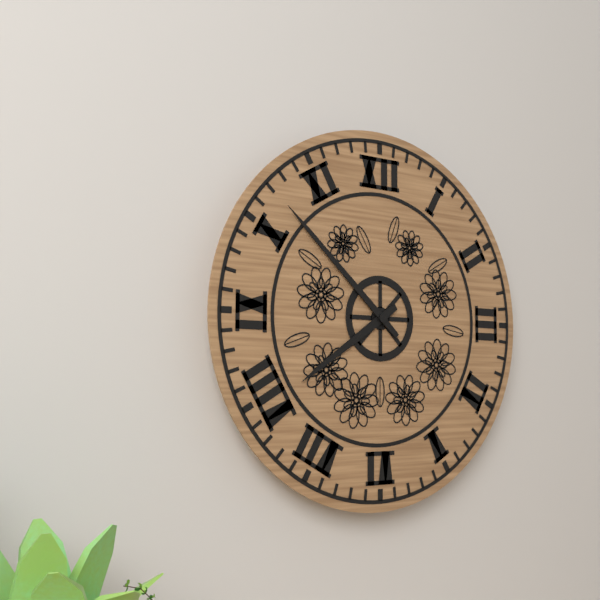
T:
7:52
